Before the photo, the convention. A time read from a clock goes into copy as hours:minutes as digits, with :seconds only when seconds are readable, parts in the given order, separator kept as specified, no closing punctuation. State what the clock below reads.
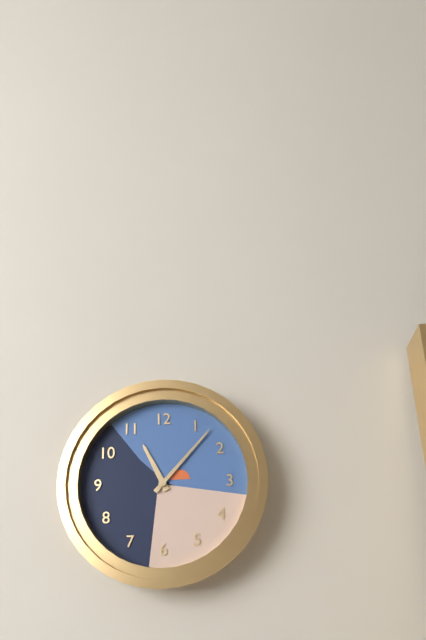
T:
11:07
